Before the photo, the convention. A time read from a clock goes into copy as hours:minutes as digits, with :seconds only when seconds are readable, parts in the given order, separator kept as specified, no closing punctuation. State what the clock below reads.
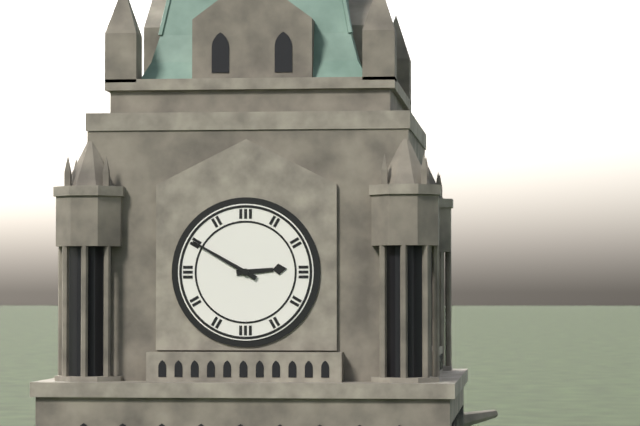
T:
2:50
